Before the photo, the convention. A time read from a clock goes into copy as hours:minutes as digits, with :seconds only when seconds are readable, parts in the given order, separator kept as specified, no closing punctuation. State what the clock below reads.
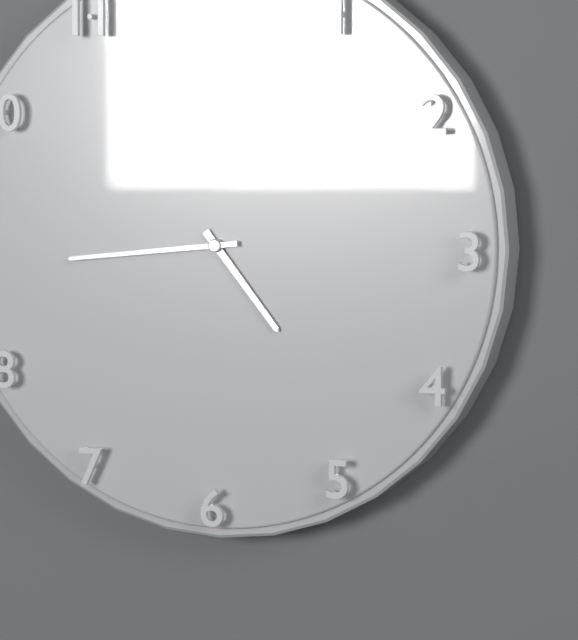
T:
4:44
